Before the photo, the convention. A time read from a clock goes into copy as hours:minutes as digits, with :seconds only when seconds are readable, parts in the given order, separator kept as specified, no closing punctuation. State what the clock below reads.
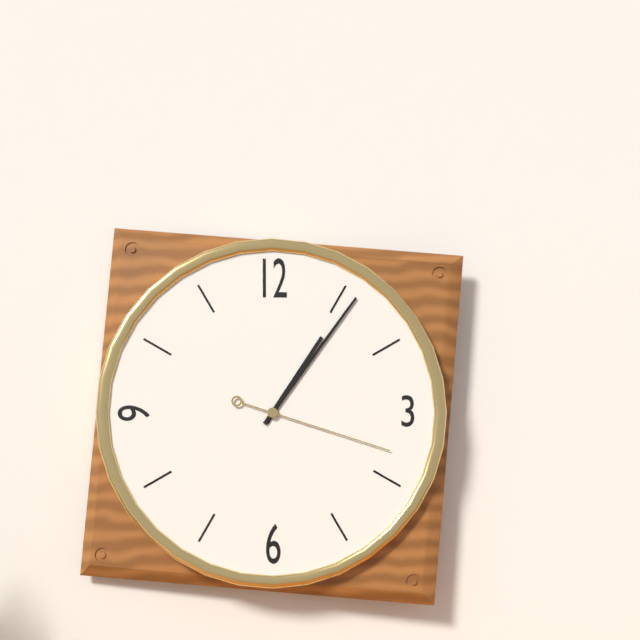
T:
1:06:18
